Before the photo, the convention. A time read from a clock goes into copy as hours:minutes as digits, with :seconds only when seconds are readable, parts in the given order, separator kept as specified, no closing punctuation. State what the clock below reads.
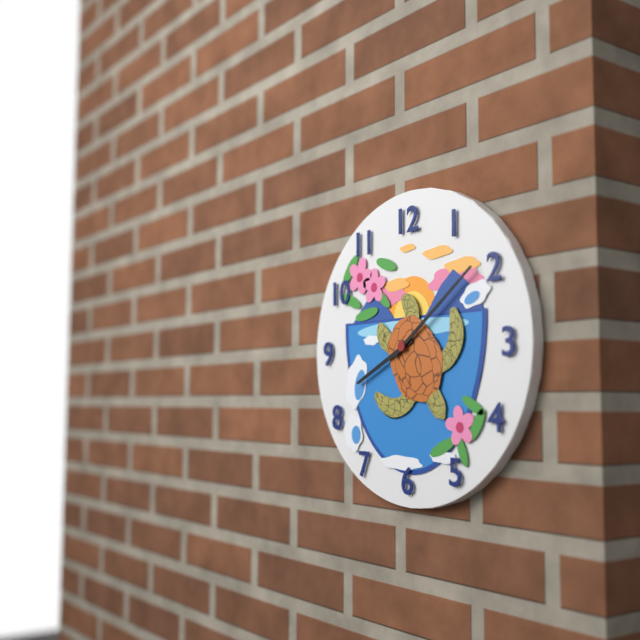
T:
8:09
